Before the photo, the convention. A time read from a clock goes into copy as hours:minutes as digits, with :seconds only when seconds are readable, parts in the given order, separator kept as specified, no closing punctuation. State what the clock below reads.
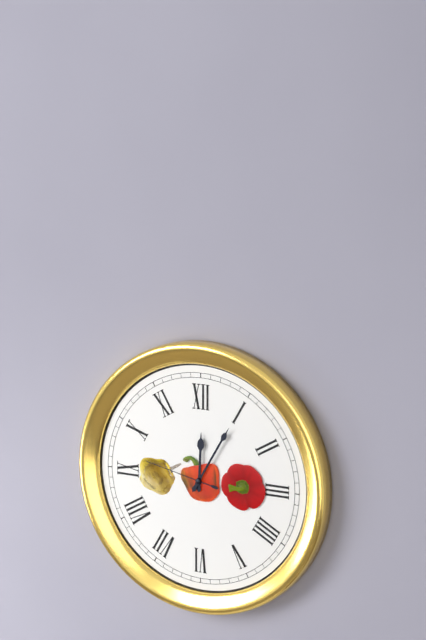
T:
12:05:47
